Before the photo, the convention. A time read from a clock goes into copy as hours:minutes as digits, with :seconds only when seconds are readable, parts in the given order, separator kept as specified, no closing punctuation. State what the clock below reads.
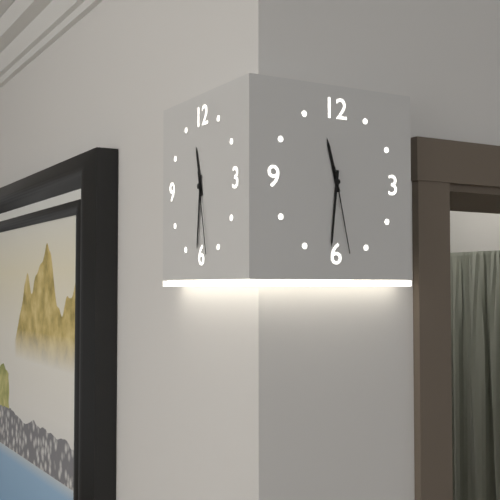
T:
11:31:28
